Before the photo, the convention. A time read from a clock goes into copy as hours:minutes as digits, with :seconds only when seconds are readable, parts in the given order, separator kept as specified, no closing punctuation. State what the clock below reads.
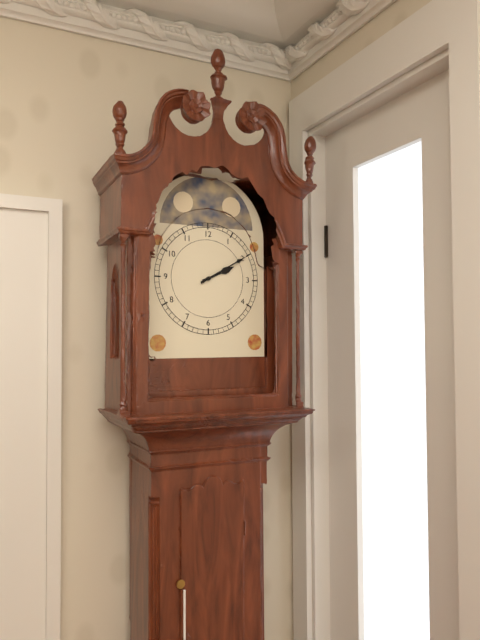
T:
2:10
